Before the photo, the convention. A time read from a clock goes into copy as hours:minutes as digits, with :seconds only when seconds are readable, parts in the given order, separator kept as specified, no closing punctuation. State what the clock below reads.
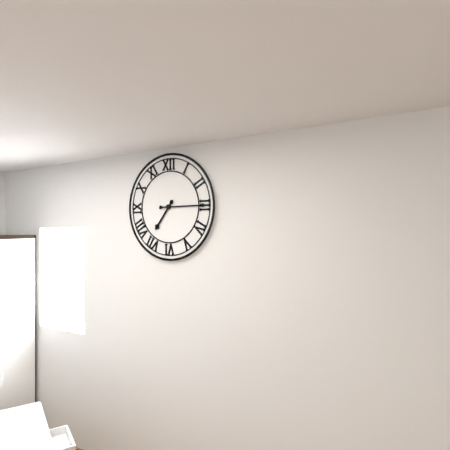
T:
7:15
